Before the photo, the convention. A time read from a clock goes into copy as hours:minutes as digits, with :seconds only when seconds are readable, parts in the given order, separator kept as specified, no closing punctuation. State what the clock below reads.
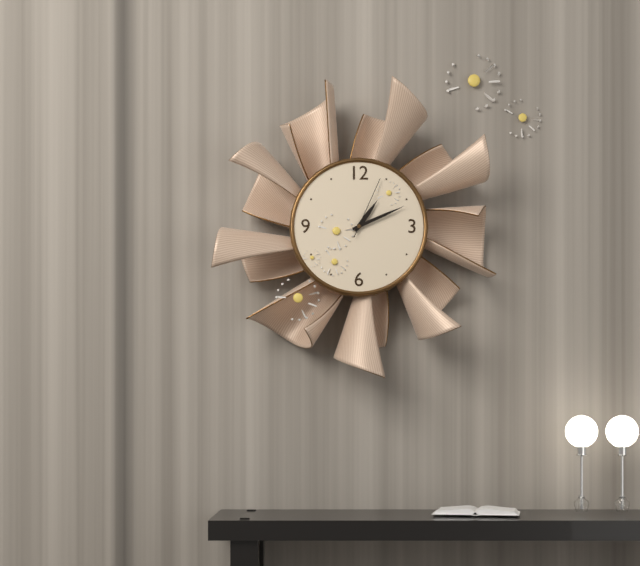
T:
1:11:04
